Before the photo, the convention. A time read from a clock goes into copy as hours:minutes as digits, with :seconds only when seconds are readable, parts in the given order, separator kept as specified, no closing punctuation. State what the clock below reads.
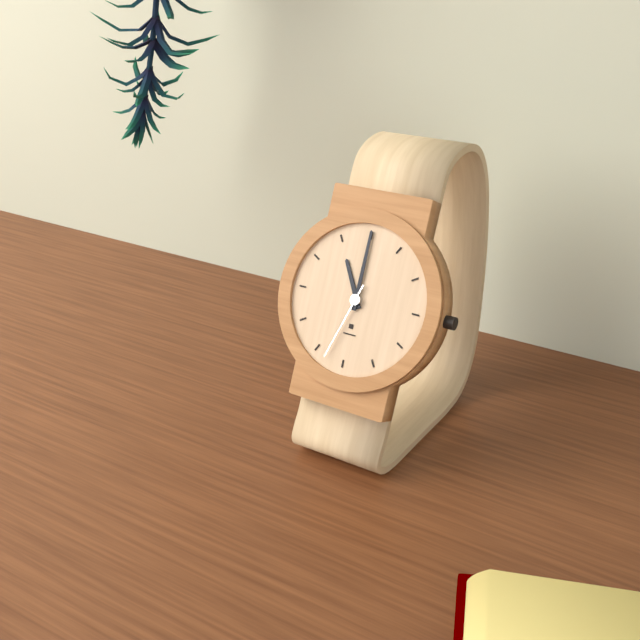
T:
11:00:33
